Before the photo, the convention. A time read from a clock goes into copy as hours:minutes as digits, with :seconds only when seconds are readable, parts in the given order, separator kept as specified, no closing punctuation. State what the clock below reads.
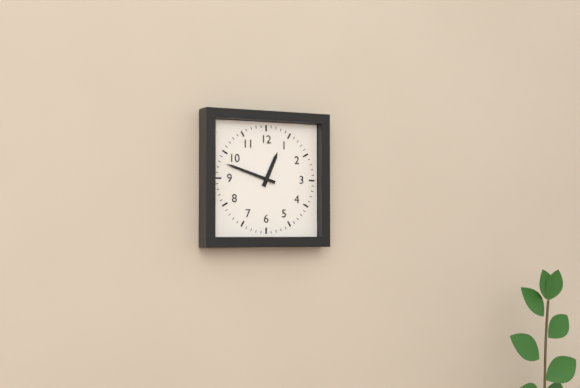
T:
12:48
